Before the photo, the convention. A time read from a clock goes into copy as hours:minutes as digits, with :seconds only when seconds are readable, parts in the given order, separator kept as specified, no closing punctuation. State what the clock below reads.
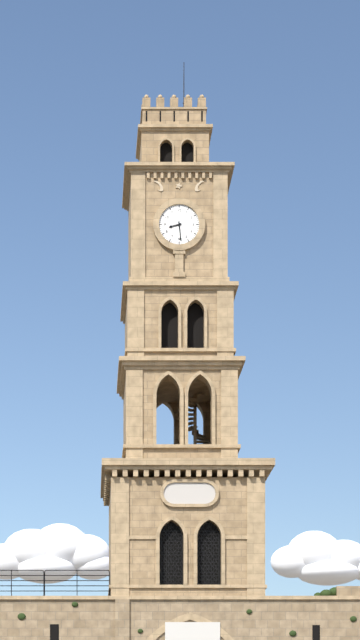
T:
8:29
